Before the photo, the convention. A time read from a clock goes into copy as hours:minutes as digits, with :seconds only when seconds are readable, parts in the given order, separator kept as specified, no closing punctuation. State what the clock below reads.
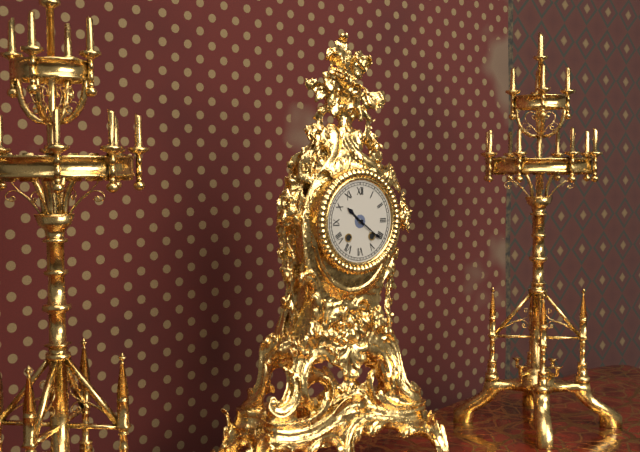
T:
10:21
